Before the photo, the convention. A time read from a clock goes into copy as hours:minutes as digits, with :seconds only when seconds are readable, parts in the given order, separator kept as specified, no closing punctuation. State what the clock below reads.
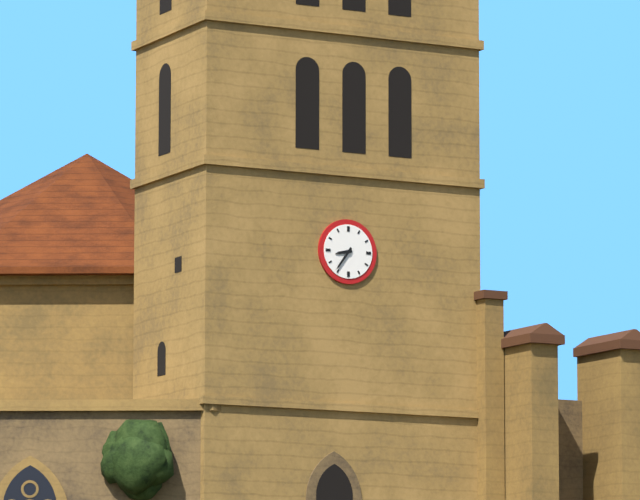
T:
8:36
